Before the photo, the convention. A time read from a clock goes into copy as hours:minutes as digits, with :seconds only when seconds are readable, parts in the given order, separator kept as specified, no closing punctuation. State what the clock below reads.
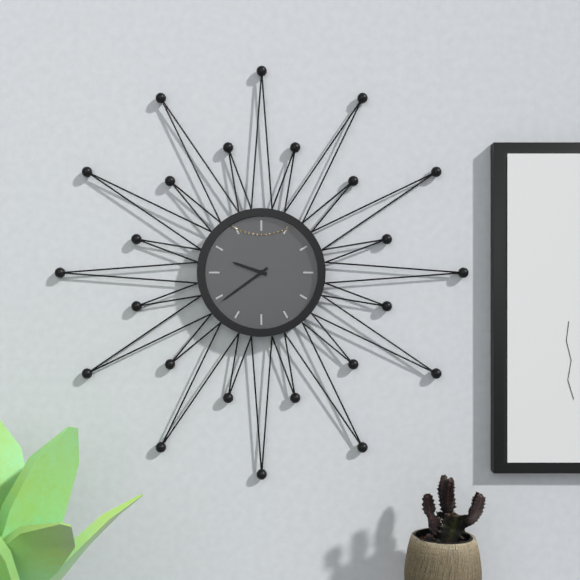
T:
9:39
